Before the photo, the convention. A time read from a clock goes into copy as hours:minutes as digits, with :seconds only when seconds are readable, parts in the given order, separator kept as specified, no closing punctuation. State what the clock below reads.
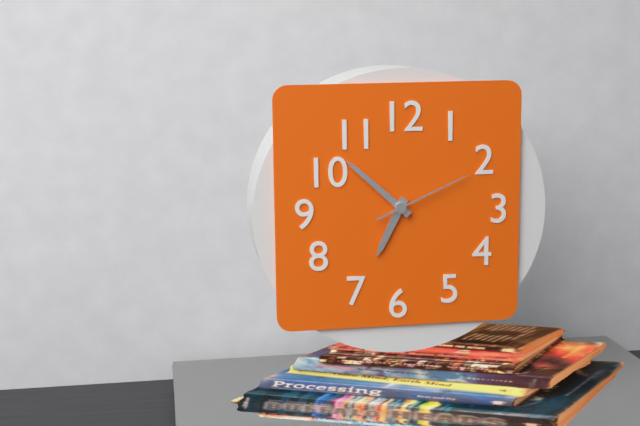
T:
6:52:11
